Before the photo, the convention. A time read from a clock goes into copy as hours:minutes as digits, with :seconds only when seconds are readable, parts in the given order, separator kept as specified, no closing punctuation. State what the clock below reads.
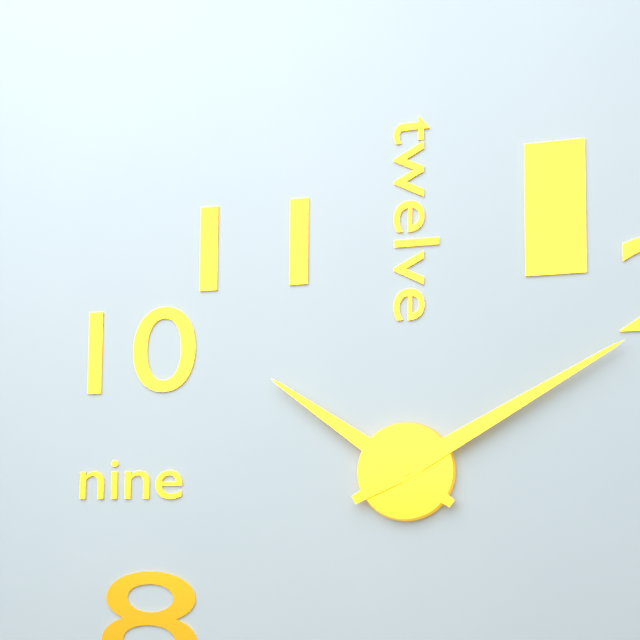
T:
10:10
